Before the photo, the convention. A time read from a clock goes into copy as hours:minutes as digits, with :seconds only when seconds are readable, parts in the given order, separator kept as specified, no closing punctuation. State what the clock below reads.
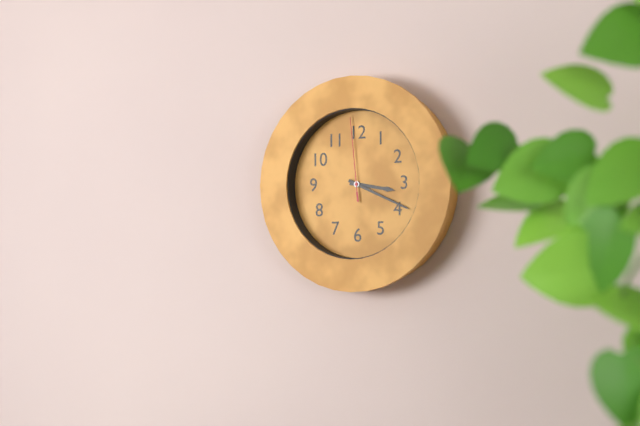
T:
3:19:59
